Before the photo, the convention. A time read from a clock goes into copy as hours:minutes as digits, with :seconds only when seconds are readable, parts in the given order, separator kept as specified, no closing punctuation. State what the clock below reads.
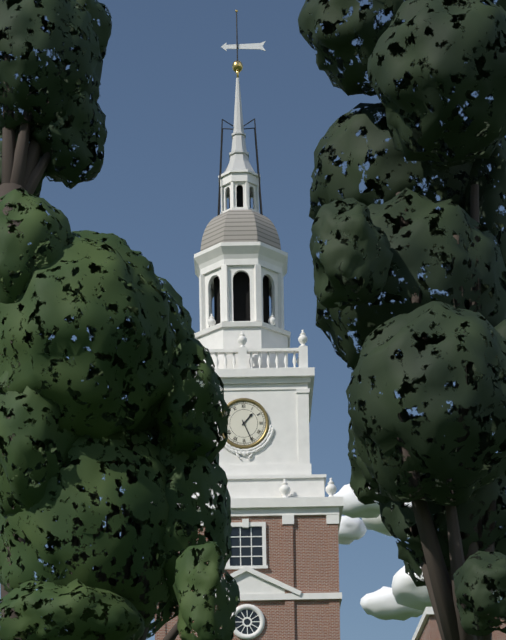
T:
1:26
